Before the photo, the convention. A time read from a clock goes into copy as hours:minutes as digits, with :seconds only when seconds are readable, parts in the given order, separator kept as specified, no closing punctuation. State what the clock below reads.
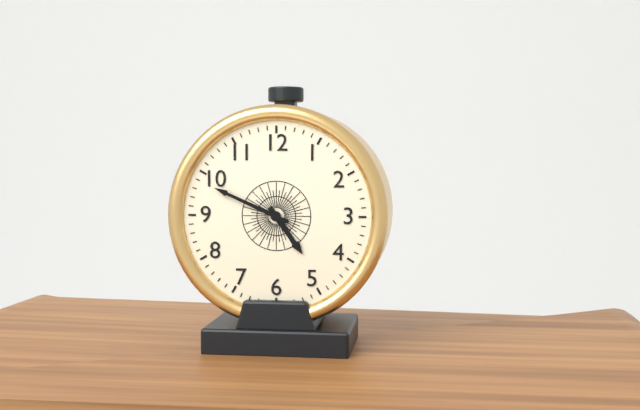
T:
4:49
